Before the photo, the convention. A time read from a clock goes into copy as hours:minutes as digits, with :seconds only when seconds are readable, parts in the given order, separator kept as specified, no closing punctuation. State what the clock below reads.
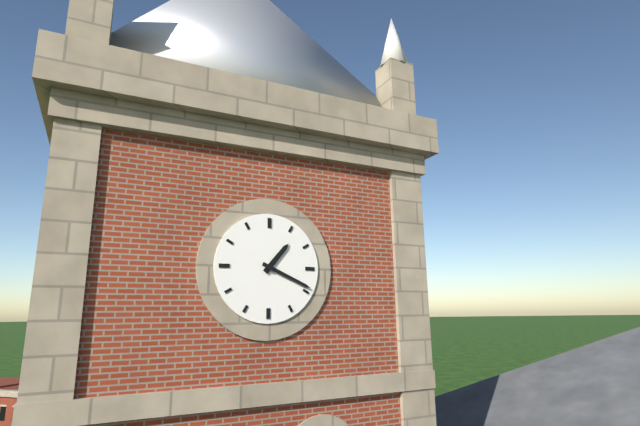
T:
1:19
